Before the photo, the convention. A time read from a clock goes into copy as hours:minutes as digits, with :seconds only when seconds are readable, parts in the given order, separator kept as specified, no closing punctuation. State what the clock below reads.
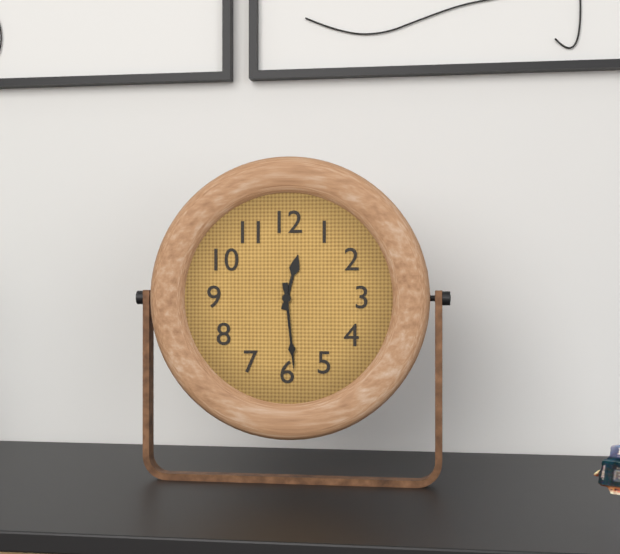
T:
12:29
